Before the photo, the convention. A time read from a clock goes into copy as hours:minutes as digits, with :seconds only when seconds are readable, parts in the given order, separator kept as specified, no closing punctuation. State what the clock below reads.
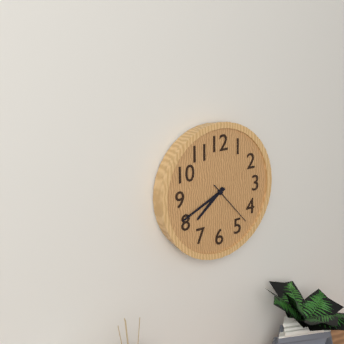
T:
7:41
